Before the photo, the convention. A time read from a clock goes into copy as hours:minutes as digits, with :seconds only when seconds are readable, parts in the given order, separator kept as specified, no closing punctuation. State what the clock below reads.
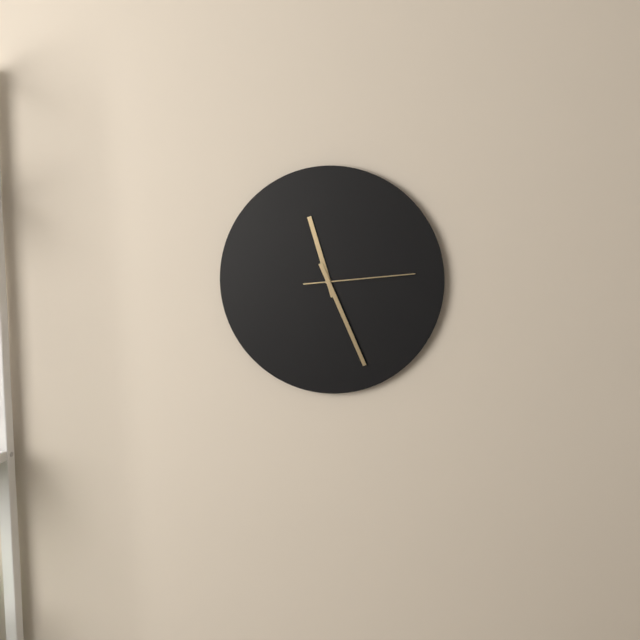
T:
11:26:14
